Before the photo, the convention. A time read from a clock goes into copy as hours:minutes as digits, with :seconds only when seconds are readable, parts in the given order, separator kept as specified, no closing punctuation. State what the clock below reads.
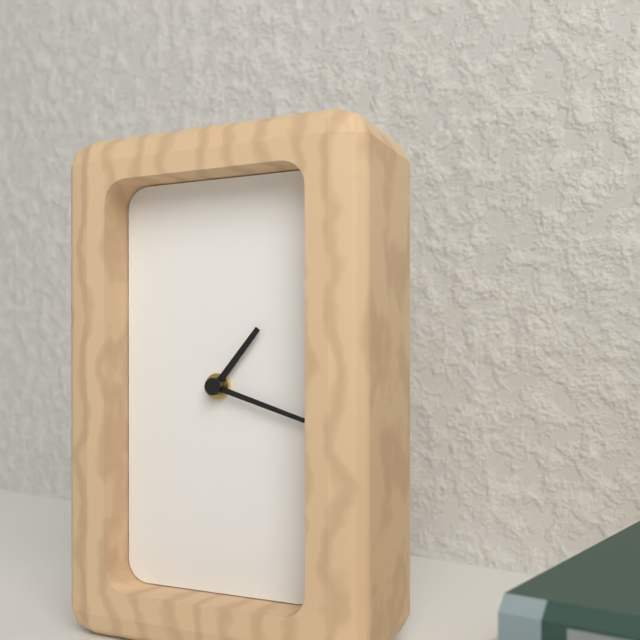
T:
1:18
